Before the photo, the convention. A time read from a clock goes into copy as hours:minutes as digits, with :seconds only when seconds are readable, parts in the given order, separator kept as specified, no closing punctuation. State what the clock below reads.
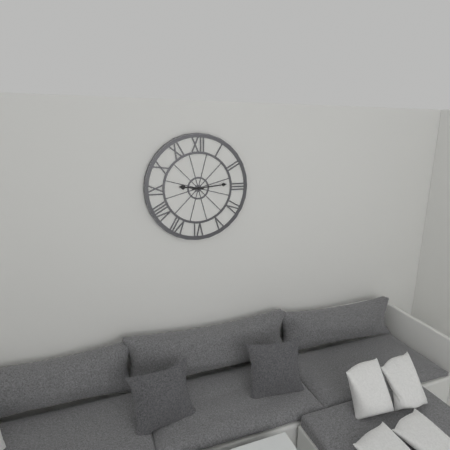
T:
9:14
